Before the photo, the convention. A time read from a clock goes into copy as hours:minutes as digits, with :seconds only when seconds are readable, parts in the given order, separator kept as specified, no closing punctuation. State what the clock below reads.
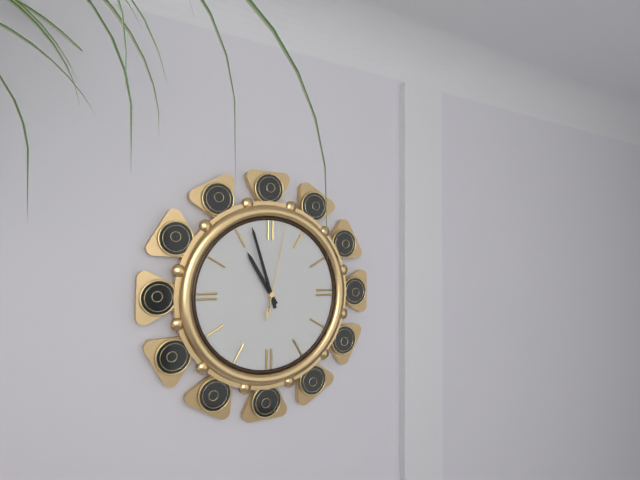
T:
10:57:02
